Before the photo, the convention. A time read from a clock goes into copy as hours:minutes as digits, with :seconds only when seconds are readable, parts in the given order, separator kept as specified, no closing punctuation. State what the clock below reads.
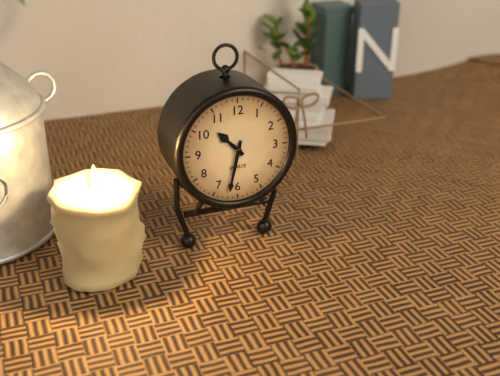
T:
10:32
